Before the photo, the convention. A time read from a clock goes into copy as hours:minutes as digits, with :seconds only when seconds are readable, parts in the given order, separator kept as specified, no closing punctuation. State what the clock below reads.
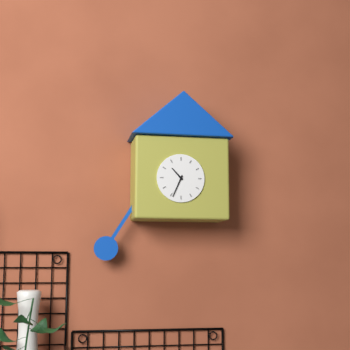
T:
10:34
